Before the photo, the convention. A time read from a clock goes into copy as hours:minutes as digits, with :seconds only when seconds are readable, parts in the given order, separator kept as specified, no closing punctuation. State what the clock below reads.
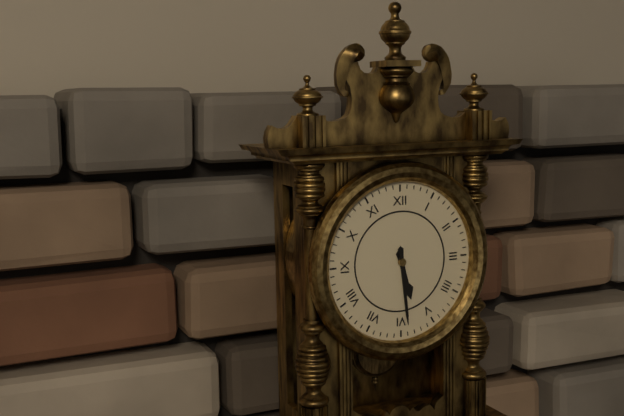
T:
5:29
